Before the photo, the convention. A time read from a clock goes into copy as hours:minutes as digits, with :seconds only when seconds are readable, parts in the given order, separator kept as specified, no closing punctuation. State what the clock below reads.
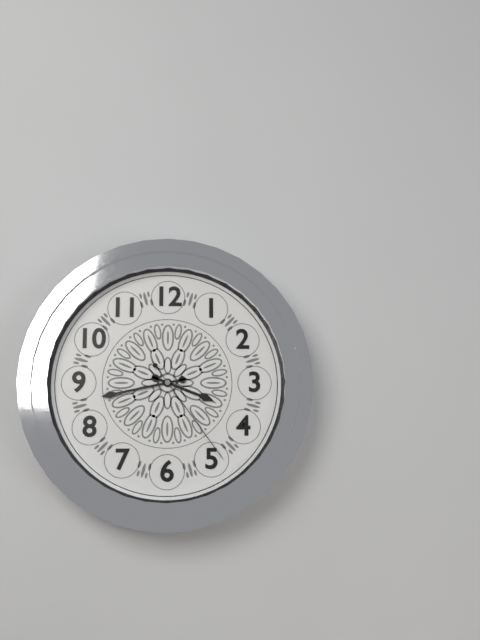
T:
3:43:24
